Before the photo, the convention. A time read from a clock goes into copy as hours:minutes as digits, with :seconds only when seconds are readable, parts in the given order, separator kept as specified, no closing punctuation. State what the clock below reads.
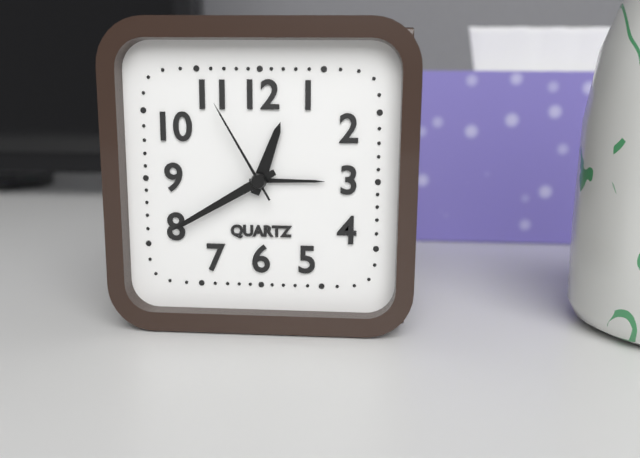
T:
12:40:55
